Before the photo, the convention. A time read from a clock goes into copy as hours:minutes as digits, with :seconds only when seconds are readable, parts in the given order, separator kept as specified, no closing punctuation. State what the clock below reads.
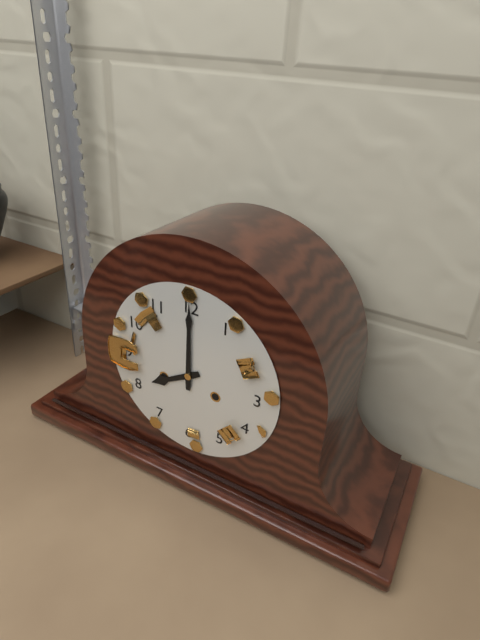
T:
8:00
